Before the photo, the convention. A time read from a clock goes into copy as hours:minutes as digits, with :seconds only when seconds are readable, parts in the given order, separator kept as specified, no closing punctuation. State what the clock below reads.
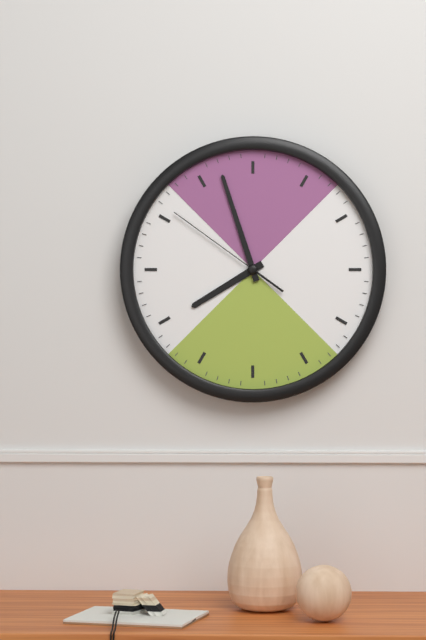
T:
7:57:51
